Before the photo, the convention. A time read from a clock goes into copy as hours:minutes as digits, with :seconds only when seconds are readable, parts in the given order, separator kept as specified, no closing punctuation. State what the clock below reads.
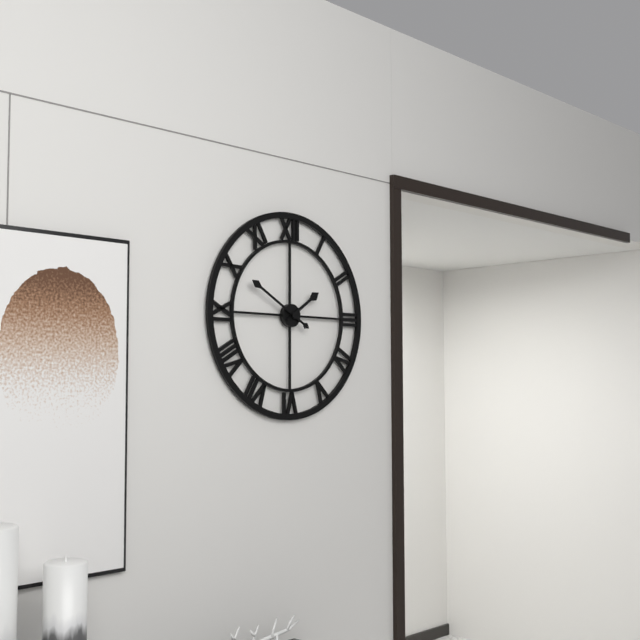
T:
1:50
